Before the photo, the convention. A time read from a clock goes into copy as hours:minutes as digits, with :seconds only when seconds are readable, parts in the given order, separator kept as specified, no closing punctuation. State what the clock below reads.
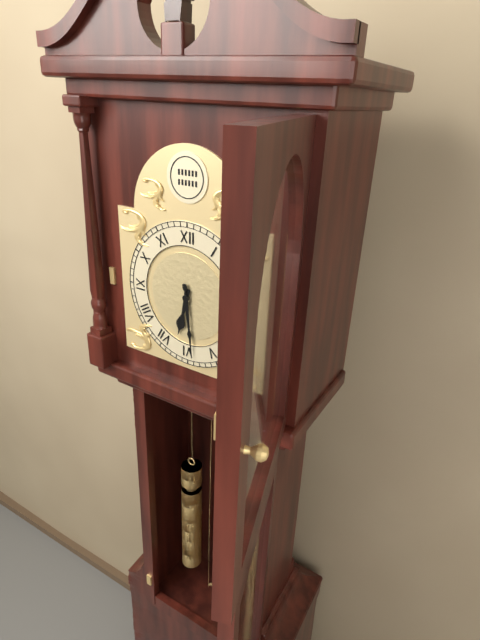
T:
6:29
